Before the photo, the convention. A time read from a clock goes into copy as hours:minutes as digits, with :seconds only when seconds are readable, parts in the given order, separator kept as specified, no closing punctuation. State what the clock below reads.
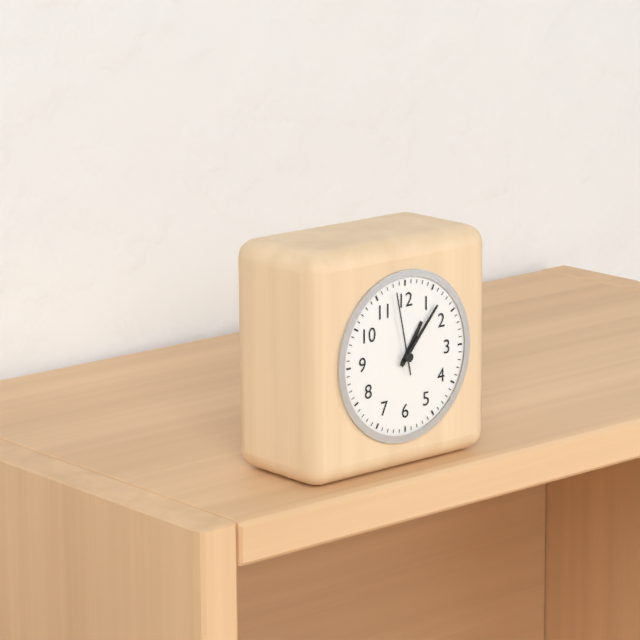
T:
1:07:58
